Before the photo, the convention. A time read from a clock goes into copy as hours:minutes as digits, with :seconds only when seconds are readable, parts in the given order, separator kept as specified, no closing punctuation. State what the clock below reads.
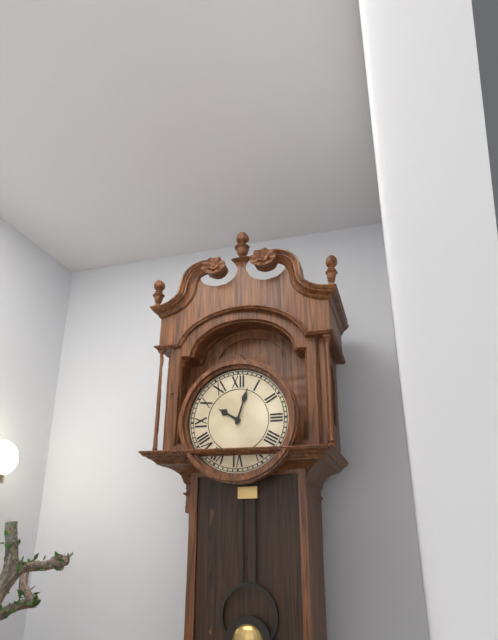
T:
10:03
